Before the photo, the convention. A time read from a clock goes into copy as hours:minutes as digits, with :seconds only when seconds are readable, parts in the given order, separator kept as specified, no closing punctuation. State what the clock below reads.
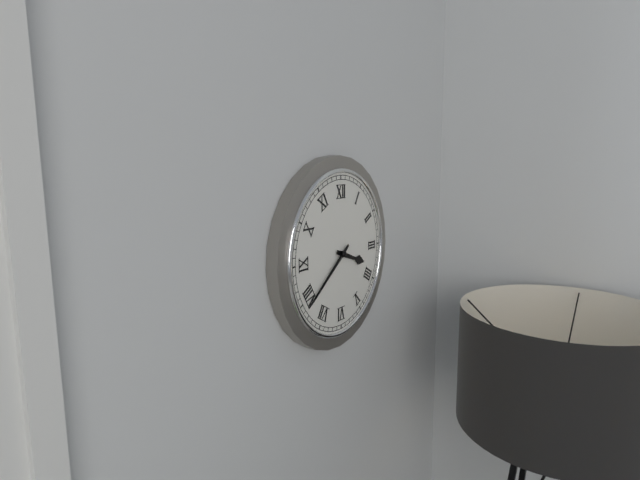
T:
3:39
